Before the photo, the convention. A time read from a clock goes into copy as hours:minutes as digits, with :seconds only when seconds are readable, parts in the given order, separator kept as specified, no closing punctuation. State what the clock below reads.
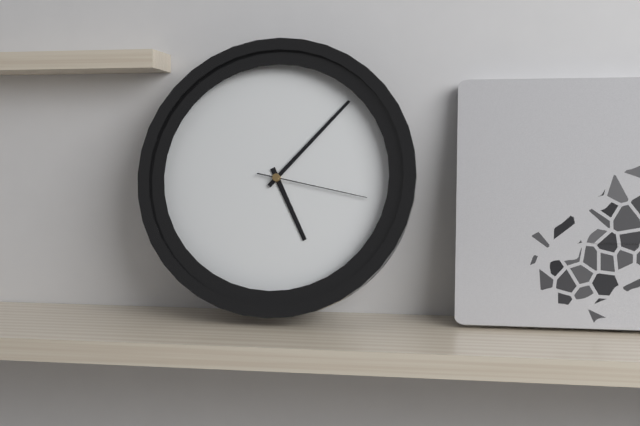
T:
5:07:17
